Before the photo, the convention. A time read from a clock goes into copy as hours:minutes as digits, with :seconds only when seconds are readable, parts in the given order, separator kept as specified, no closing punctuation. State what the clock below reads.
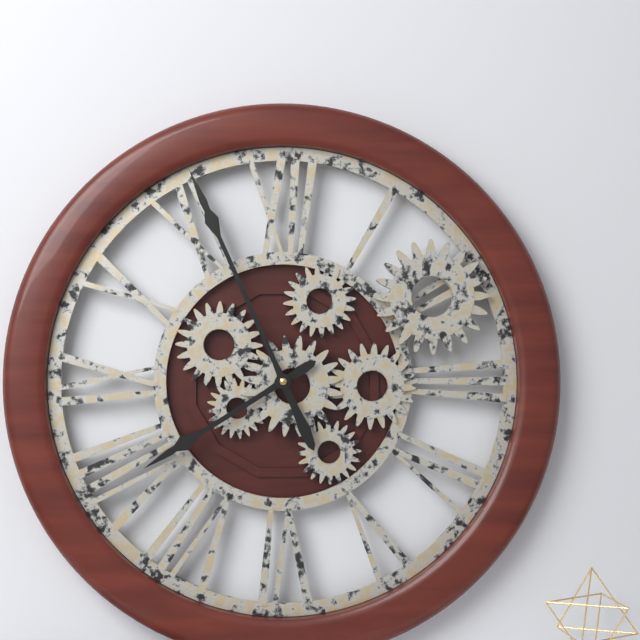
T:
7:56
